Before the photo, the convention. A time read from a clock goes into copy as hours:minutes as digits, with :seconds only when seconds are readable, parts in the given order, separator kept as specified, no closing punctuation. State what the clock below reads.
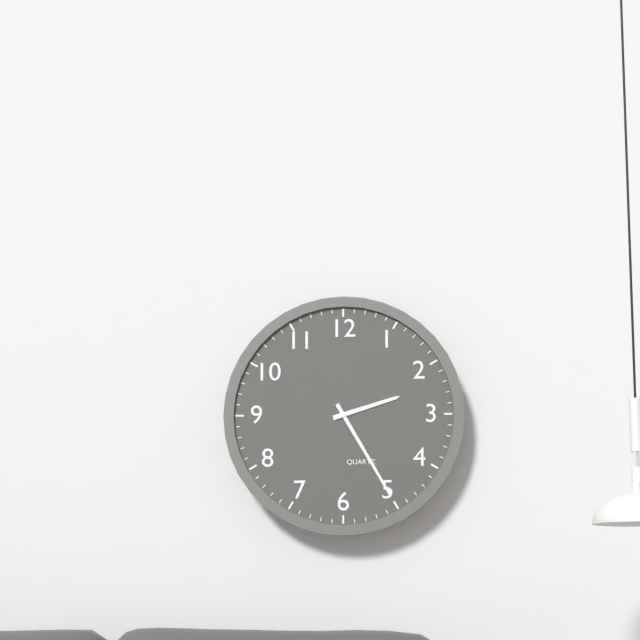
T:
2:25
